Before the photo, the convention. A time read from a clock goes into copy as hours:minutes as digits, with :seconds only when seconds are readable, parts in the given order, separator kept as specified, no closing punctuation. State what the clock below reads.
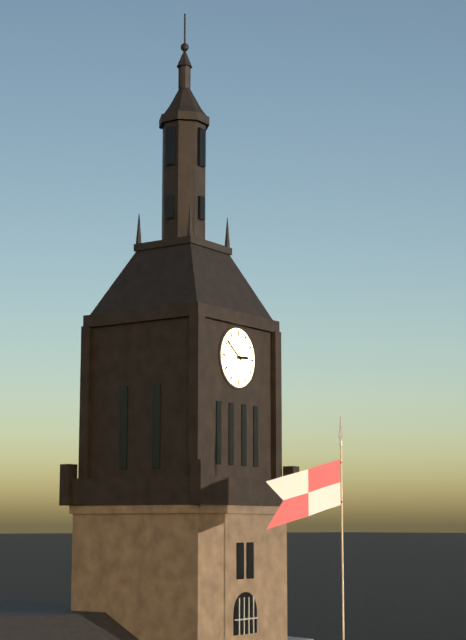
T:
2:51
